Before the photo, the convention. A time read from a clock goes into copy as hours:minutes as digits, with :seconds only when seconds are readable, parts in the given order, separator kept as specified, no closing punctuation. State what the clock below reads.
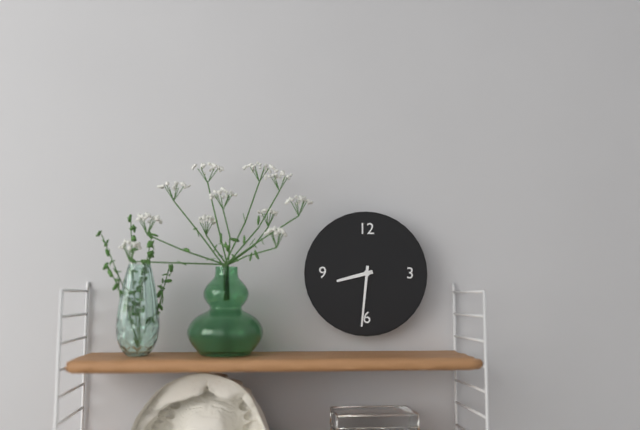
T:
8:31
